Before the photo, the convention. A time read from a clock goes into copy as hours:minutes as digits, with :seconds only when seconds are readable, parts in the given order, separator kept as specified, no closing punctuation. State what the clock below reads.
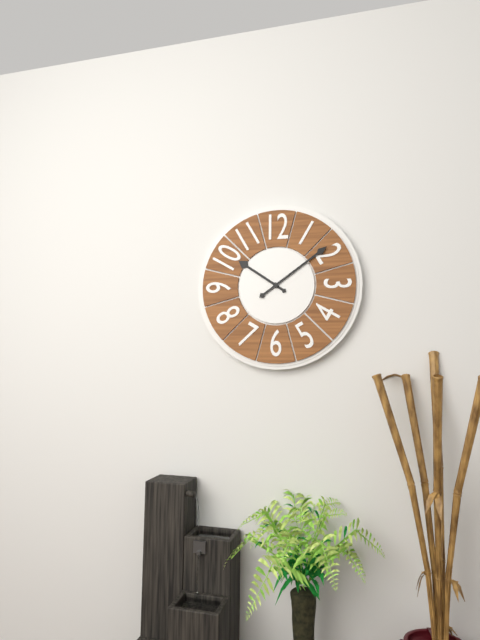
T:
10:09
